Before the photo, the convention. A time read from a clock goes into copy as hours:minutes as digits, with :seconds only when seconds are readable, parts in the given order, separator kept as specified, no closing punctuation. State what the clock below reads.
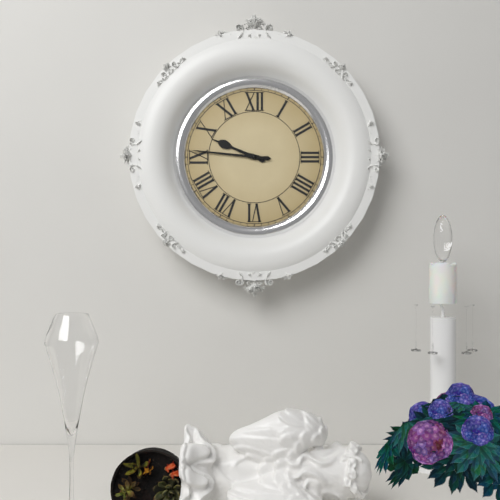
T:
9:46
